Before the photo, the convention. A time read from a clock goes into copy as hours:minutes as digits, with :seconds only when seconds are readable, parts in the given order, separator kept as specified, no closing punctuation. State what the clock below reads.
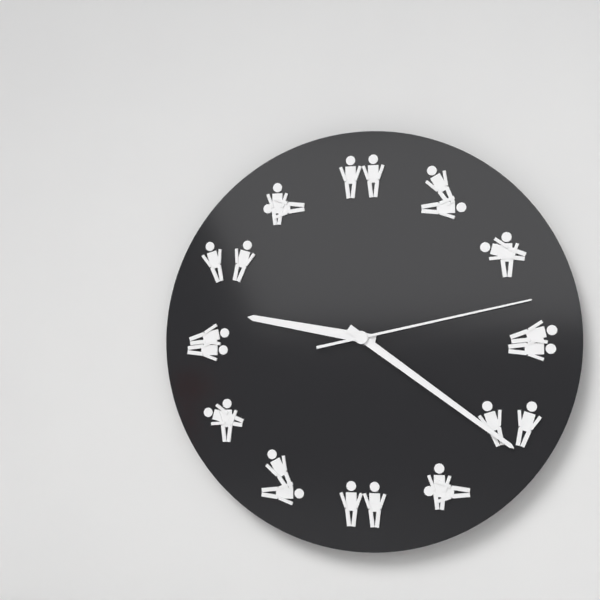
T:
9:21:13
